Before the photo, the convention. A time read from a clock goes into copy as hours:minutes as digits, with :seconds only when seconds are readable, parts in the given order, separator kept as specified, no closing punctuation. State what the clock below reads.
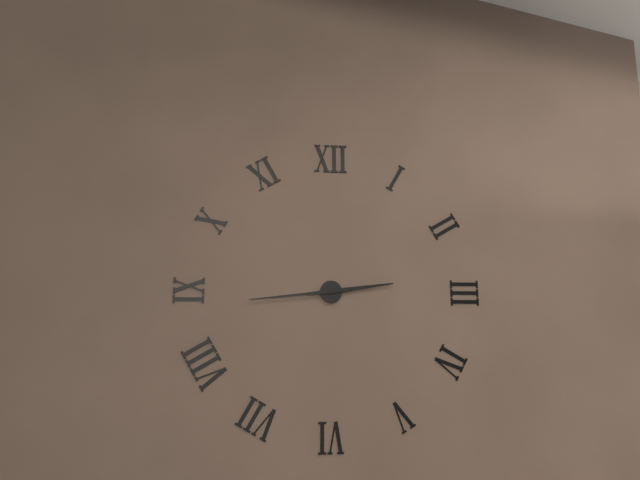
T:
2:44
